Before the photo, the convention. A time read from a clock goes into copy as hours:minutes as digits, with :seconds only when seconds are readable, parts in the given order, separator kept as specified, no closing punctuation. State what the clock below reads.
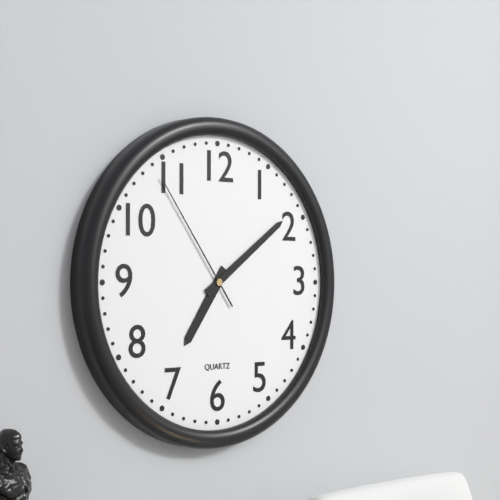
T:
7:09:54
